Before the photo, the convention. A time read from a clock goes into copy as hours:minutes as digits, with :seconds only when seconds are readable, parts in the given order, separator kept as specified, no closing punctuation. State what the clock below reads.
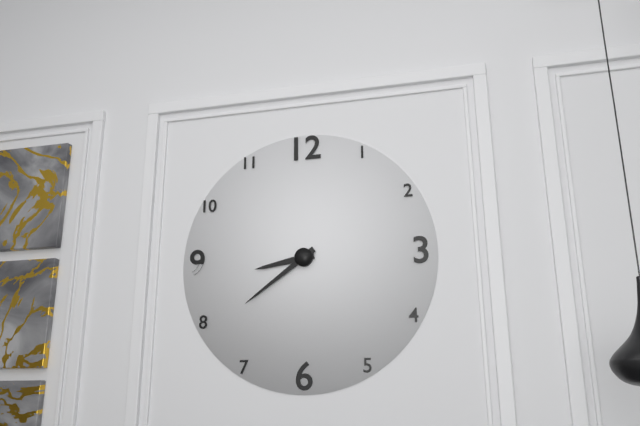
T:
8:39
